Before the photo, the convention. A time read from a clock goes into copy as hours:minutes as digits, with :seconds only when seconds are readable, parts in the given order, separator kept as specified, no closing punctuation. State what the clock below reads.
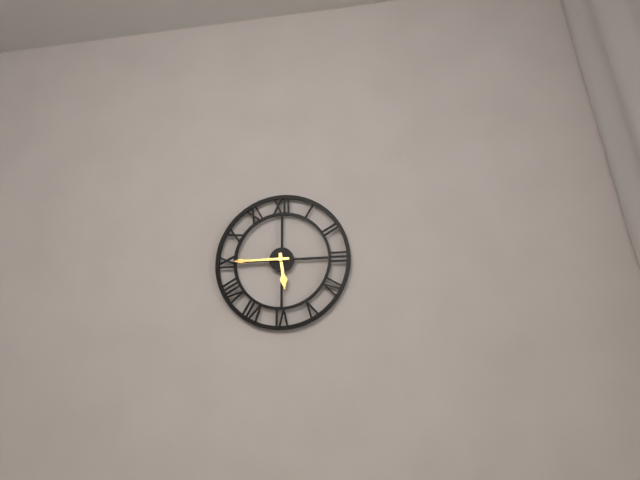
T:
5:45
